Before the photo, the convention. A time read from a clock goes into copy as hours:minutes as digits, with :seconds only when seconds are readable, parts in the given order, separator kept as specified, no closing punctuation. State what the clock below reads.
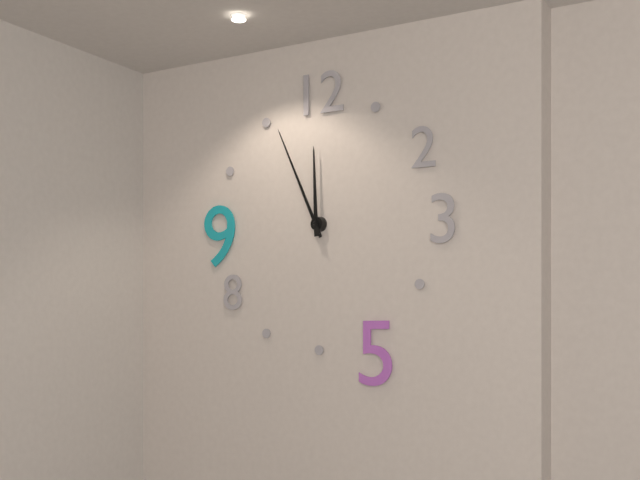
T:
11:56
